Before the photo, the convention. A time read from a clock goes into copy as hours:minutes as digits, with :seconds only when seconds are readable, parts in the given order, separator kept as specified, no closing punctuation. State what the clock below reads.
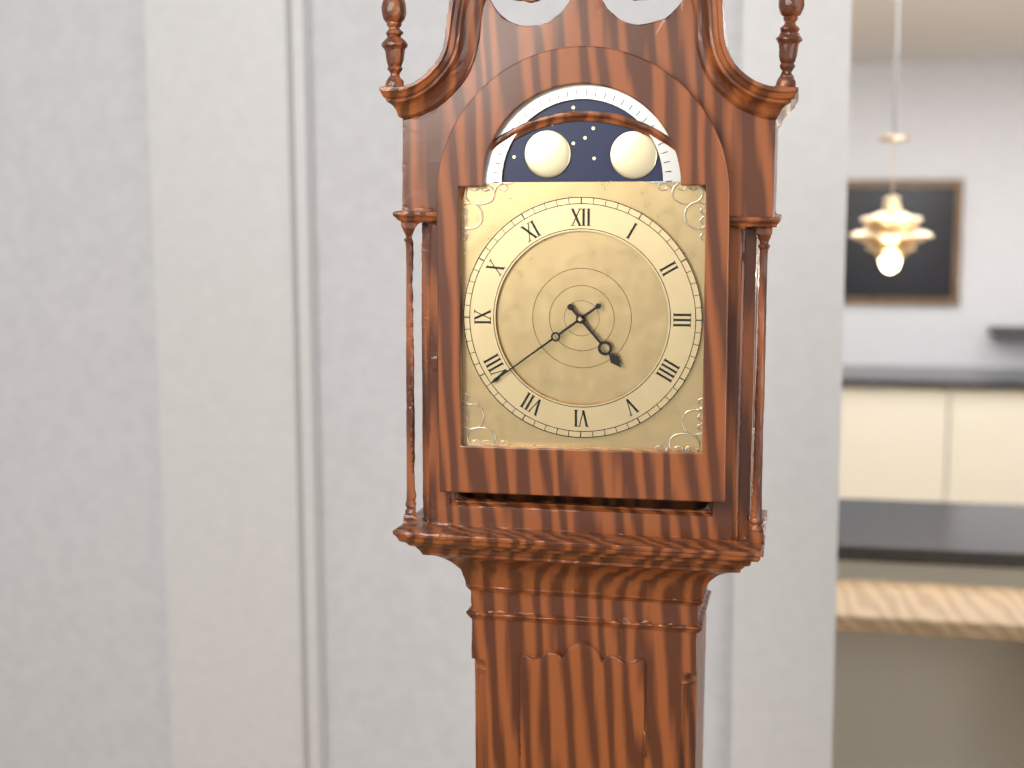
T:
4:39
